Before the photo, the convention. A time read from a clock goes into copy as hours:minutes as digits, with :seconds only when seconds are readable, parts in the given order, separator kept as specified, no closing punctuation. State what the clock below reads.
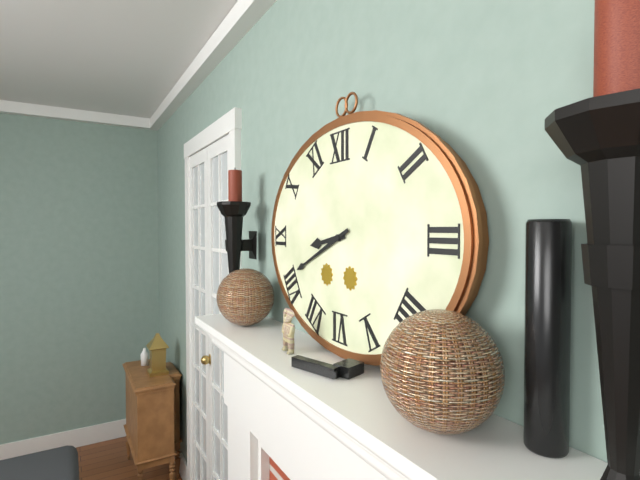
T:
8:41
